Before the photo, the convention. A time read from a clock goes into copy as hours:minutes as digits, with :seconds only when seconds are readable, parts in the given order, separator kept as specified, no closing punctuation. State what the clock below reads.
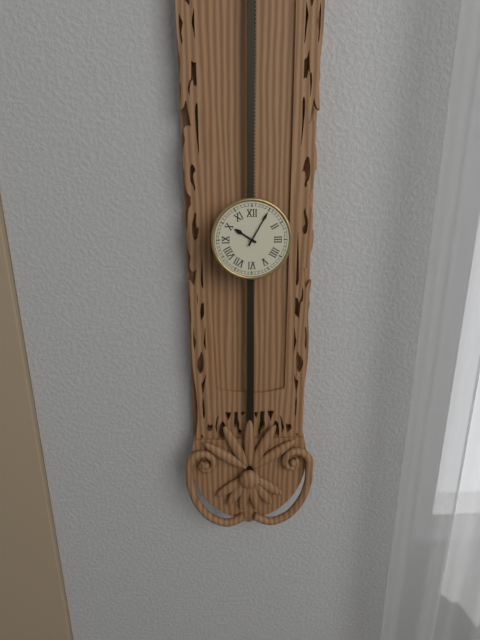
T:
10:05
